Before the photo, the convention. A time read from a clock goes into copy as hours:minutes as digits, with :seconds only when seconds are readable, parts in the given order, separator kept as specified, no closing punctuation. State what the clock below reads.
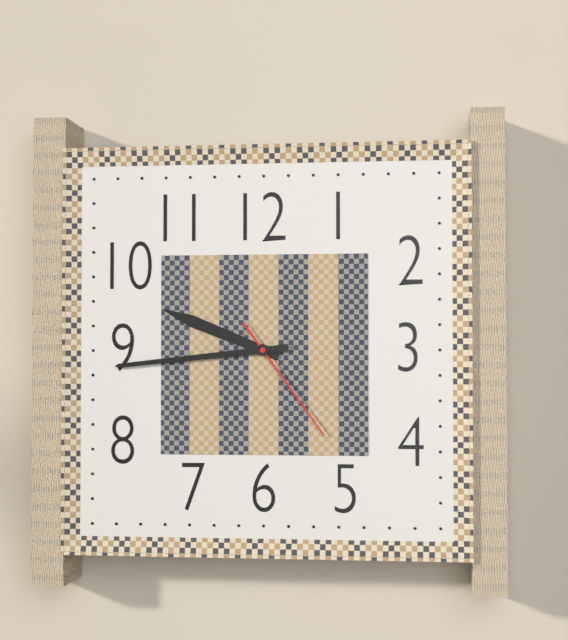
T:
9:44:24
